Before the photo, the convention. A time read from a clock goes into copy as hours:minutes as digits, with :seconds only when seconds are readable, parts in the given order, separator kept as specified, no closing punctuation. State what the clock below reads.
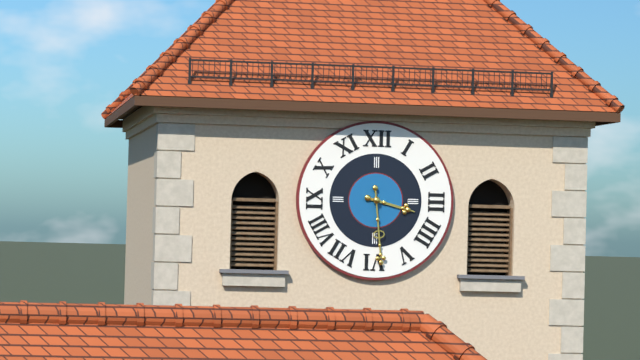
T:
3:29
